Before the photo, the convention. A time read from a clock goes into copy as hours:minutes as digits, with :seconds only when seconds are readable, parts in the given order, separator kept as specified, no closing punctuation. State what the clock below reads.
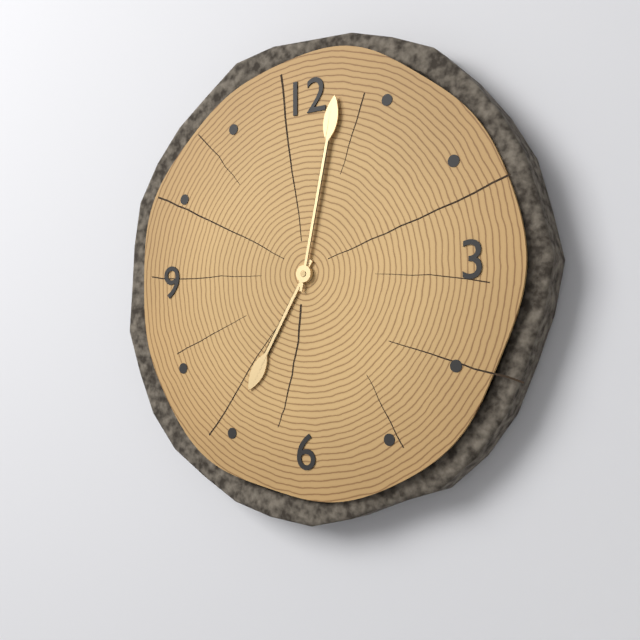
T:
7:02
